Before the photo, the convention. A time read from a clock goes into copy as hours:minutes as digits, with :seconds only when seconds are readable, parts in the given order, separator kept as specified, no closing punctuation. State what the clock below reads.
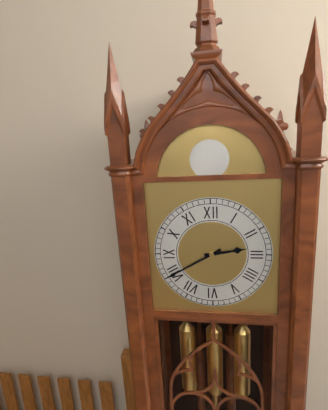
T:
2:40
